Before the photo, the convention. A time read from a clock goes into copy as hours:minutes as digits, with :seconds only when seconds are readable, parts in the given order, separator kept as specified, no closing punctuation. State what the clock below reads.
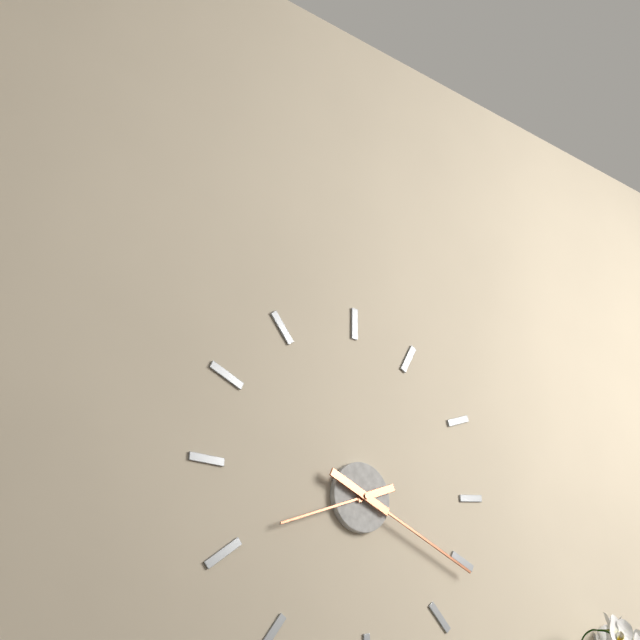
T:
8:19
